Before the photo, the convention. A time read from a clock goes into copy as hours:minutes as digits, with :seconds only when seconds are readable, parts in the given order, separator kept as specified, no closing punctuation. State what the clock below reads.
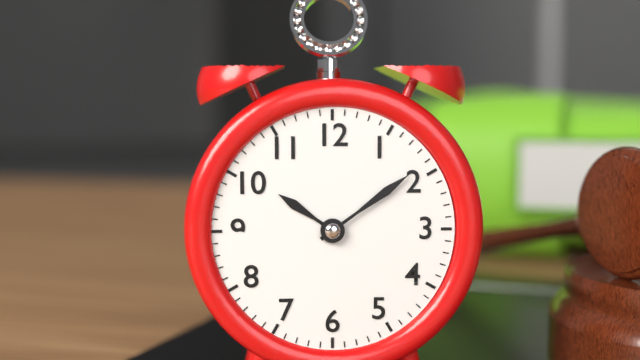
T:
10:09
